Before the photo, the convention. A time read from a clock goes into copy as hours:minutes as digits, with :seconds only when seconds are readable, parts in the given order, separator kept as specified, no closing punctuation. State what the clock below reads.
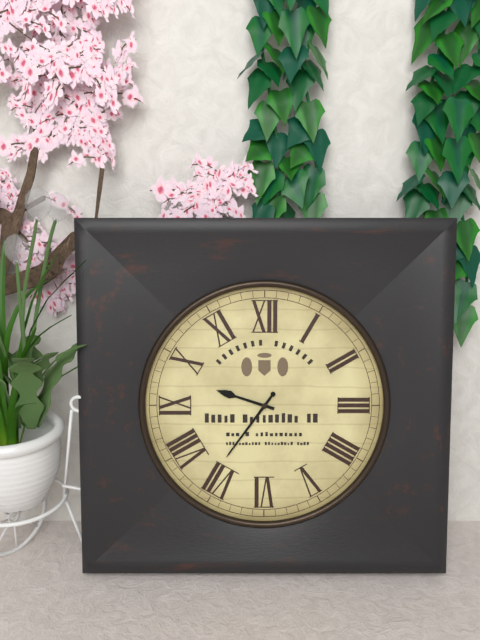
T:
9:36
